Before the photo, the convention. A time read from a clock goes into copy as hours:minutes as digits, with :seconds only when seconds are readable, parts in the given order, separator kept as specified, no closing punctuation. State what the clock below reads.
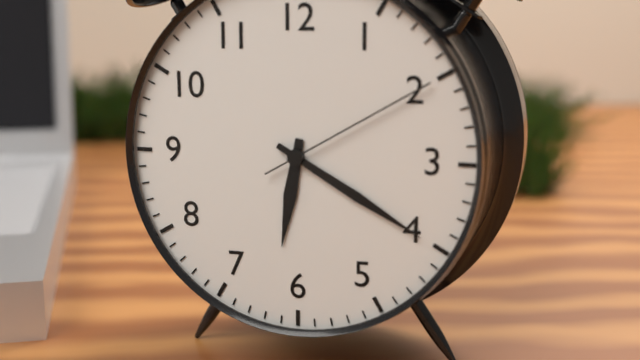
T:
6:20:10
